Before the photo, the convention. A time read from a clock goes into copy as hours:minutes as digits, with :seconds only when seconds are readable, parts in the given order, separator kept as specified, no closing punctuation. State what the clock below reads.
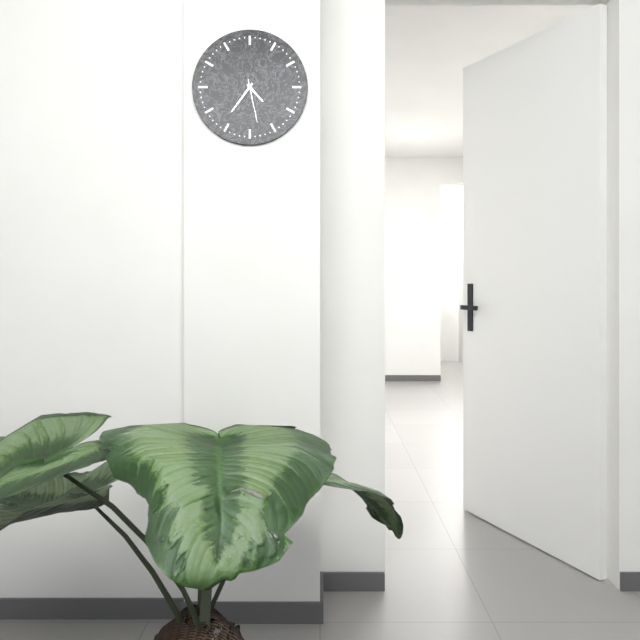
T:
4:36
